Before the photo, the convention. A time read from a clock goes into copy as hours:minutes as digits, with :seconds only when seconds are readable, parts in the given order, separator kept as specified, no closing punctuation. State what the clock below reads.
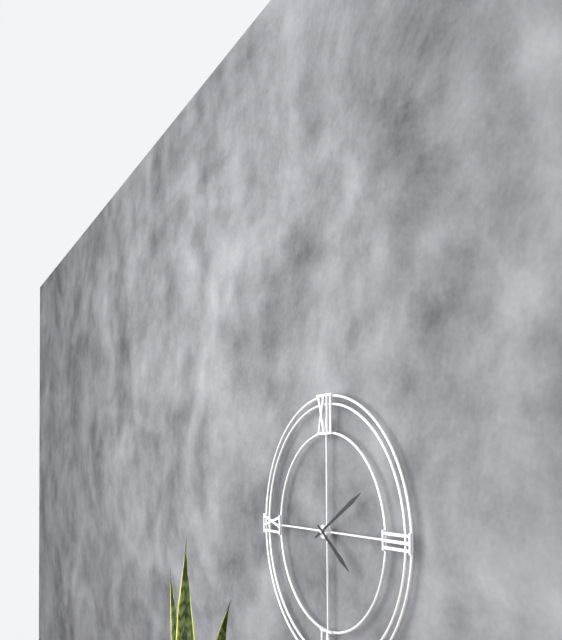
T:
4:10
